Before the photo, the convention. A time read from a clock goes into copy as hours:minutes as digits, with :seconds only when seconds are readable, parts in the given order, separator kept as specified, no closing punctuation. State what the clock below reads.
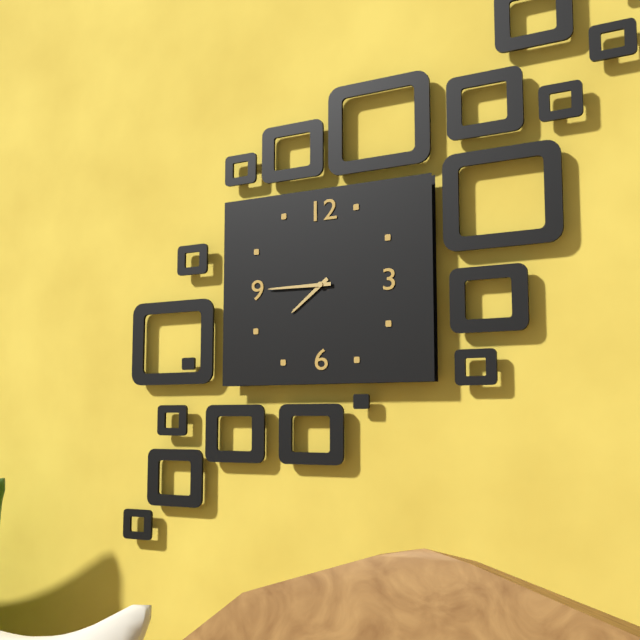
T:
7:45
